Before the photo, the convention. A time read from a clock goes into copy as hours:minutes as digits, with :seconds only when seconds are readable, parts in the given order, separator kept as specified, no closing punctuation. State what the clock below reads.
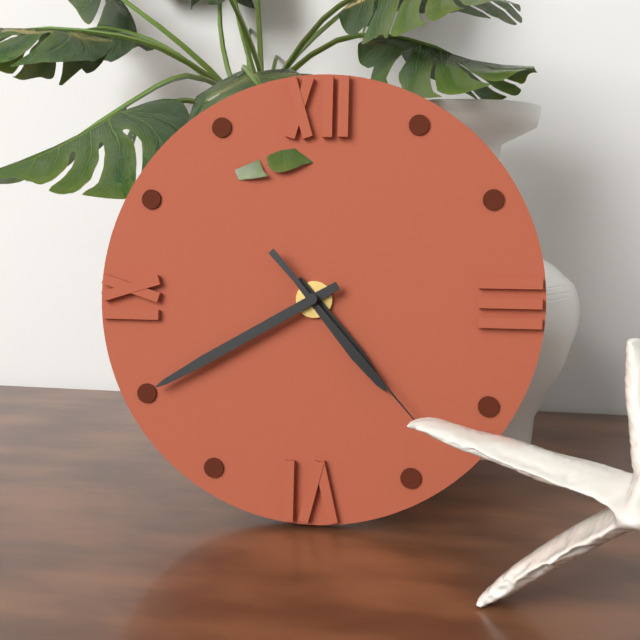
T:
4:40:23
